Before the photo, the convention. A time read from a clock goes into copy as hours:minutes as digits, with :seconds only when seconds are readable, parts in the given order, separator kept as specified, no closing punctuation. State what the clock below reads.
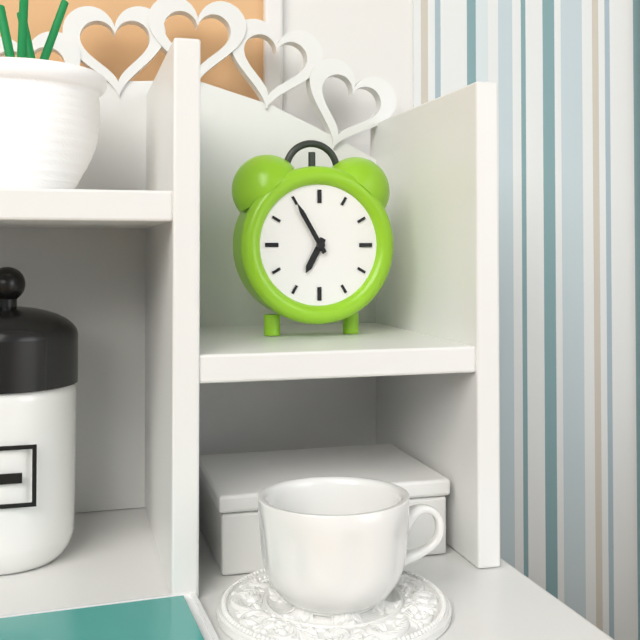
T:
6:55
